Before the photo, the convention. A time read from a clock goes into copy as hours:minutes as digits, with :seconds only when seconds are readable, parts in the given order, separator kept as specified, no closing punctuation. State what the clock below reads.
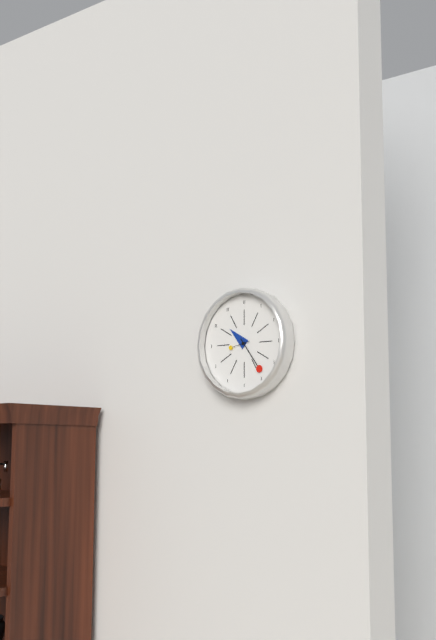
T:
10:24
